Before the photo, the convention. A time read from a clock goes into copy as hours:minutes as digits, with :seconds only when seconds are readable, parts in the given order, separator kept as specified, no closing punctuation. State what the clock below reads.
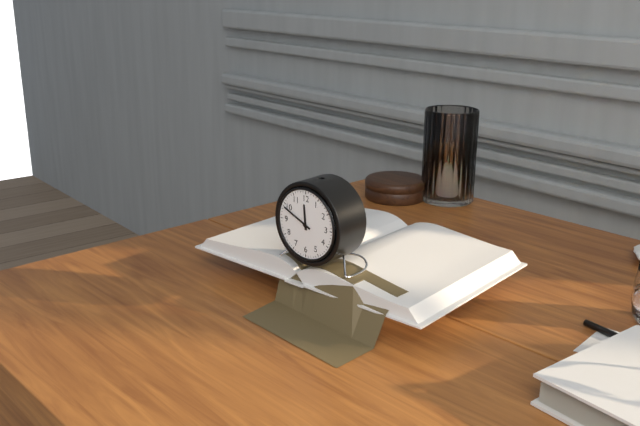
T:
11:49
